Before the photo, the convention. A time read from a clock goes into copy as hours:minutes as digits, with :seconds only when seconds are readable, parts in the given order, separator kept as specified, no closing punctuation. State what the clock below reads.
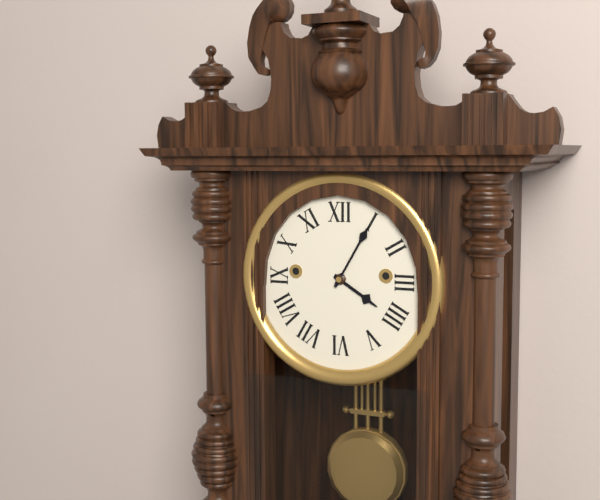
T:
4:05
